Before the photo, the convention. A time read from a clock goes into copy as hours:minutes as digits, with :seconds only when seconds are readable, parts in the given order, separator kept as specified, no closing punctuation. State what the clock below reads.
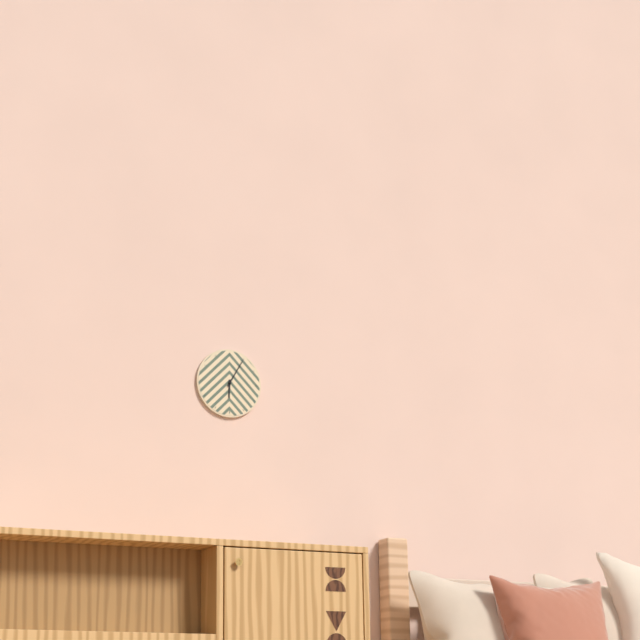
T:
6:05
